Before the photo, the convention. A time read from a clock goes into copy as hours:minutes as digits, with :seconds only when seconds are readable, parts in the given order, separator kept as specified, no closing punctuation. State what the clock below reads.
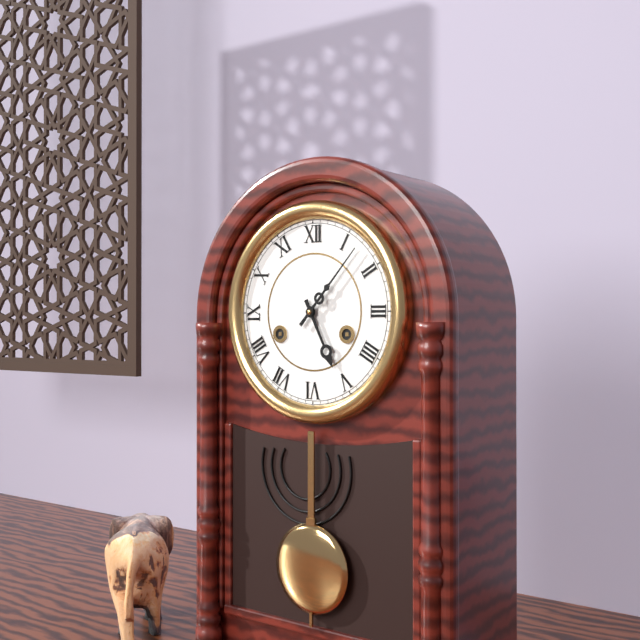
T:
5:07
